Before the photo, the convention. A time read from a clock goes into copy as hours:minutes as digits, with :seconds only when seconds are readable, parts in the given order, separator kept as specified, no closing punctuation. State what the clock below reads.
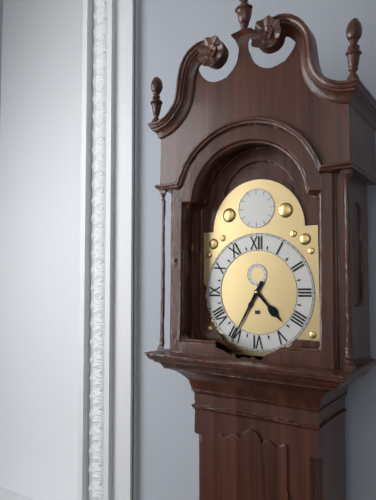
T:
4:35
